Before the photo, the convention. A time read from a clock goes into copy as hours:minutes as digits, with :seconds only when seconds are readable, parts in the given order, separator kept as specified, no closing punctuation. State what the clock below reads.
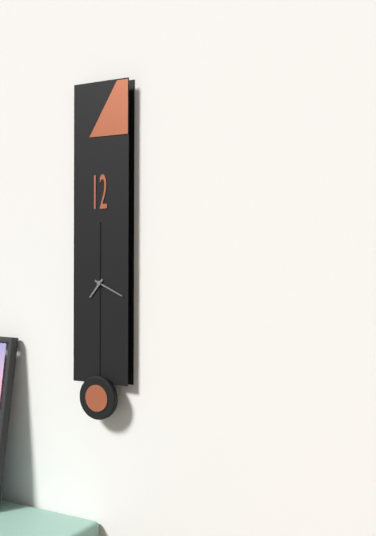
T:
7:19
